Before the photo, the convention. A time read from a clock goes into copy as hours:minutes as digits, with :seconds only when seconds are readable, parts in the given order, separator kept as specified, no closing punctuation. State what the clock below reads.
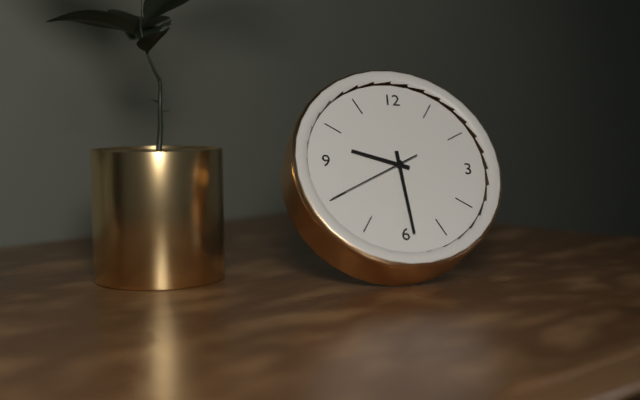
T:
9:29:40
